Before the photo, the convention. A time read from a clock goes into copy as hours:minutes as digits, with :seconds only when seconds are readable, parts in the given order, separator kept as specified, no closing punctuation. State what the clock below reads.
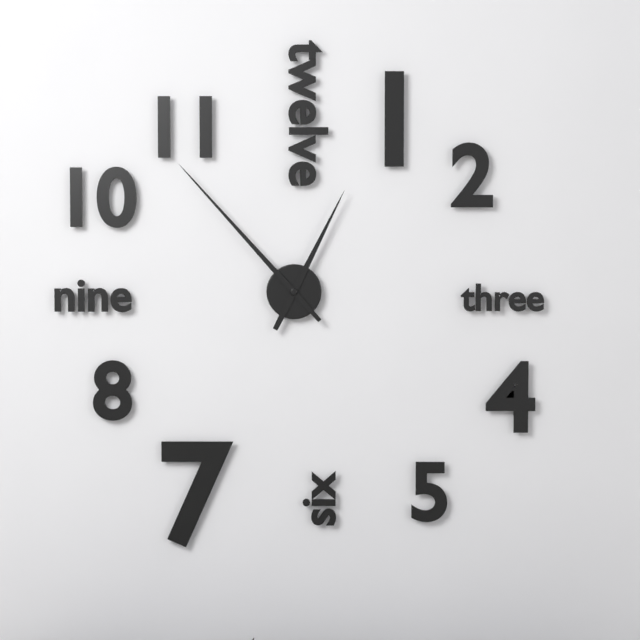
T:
12:53
